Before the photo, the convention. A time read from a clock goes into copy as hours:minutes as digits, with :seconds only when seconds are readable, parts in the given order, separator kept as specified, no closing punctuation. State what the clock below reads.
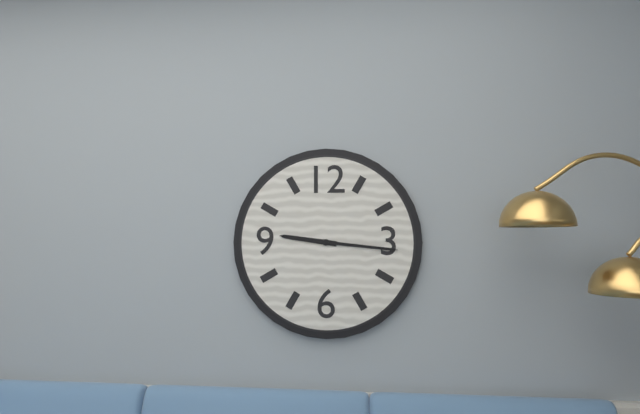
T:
9:16
